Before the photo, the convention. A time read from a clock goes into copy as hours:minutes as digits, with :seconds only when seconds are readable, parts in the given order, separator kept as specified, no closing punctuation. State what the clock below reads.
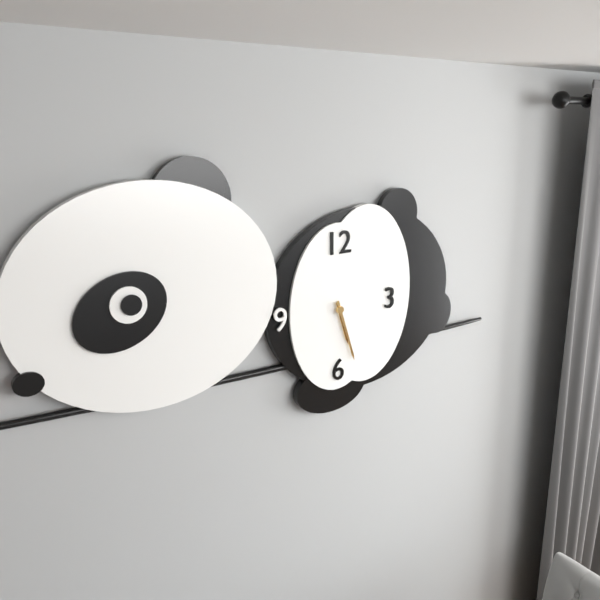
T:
5:27
